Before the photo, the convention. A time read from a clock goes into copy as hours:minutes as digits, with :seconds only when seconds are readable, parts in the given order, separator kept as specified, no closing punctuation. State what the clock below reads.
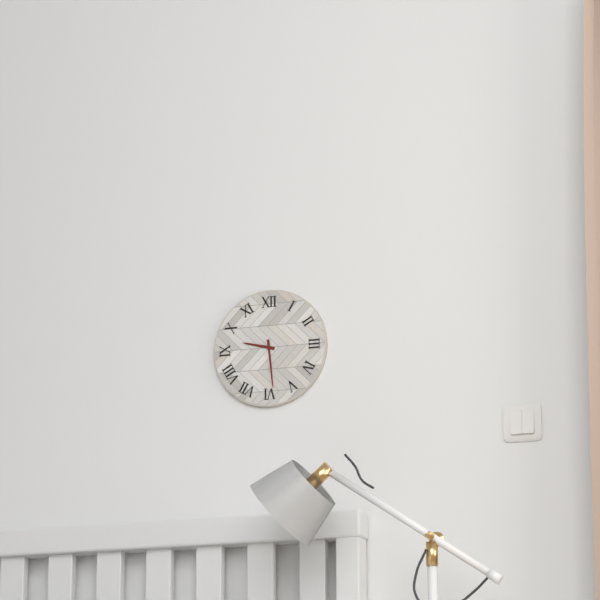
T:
9:29
